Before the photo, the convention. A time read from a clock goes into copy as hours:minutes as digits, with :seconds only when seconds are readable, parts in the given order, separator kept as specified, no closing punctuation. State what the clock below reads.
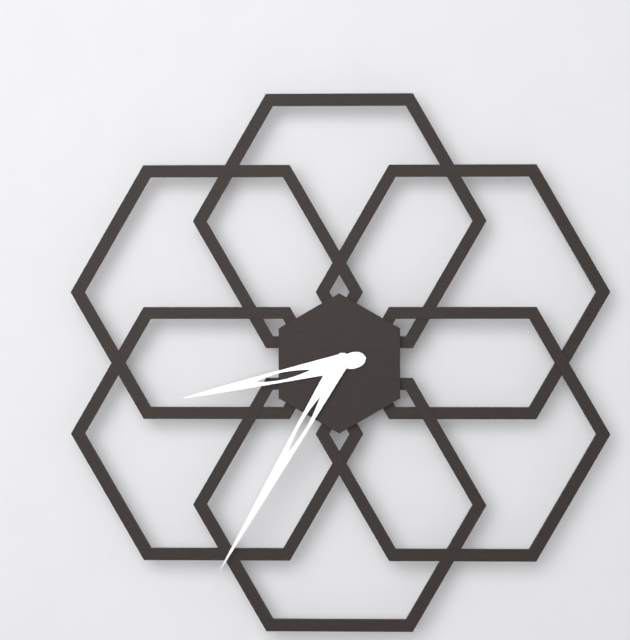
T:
8:35
